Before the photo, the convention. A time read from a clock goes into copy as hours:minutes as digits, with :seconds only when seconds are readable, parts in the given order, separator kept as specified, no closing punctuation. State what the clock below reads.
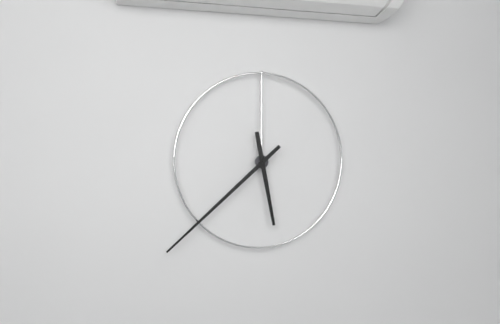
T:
5:38
